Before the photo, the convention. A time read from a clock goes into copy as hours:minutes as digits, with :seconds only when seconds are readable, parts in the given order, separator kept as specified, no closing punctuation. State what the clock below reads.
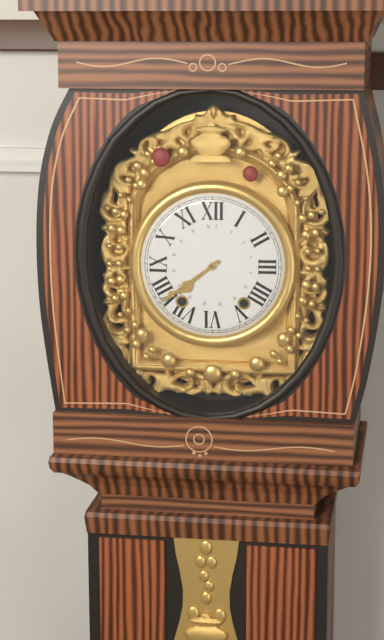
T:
7:39
